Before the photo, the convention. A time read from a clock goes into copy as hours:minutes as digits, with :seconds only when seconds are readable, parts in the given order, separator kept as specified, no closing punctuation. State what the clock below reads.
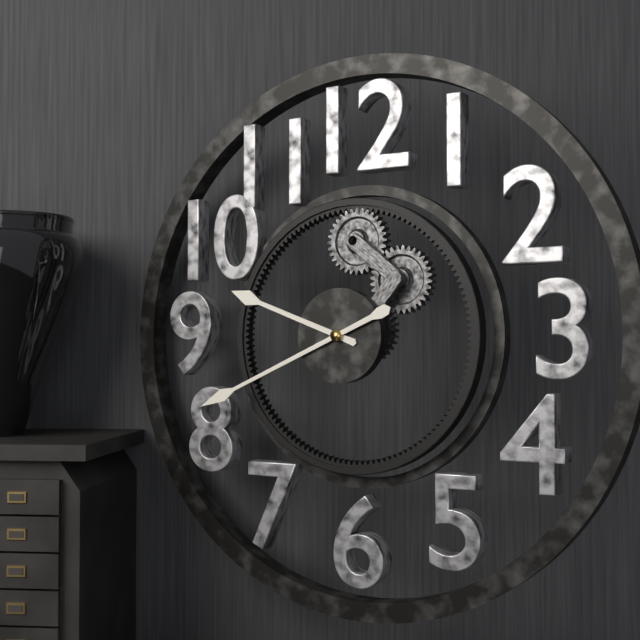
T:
9:41
